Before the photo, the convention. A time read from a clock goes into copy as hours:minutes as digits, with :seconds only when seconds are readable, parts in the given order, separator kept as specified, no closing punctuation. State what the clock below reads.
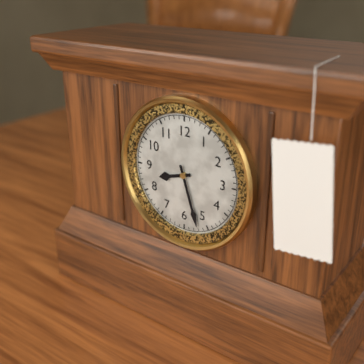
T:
8:27
